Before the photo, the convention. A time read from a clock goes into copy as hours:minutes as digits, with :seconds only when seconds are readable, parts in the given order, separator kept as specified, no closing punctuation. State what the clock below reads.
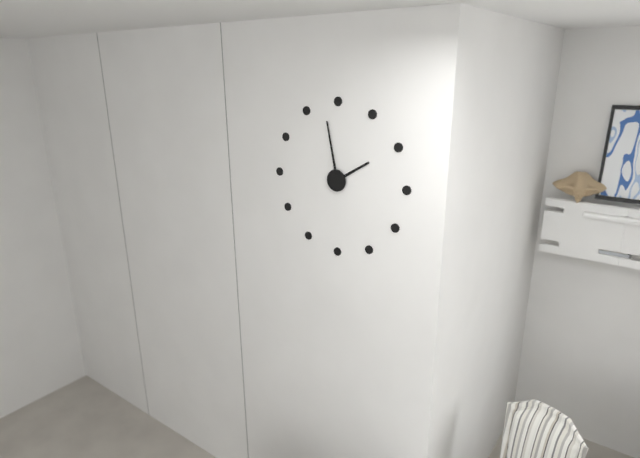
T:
1:58
